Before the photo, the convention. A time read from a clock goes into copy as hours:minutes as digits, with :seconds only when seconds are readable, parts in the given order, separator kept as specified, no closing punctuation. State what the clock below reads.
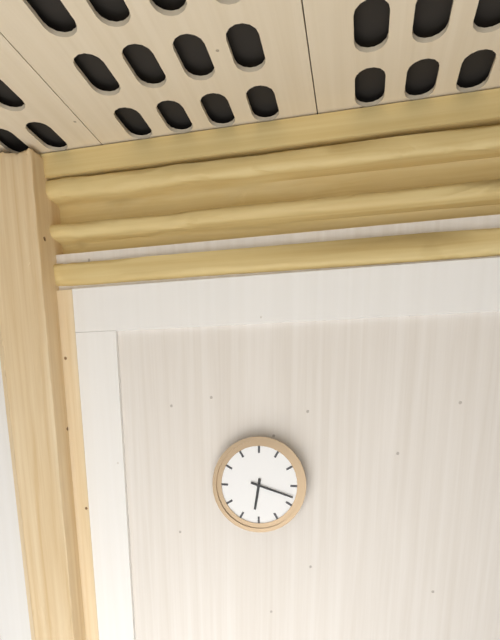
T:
6:18
